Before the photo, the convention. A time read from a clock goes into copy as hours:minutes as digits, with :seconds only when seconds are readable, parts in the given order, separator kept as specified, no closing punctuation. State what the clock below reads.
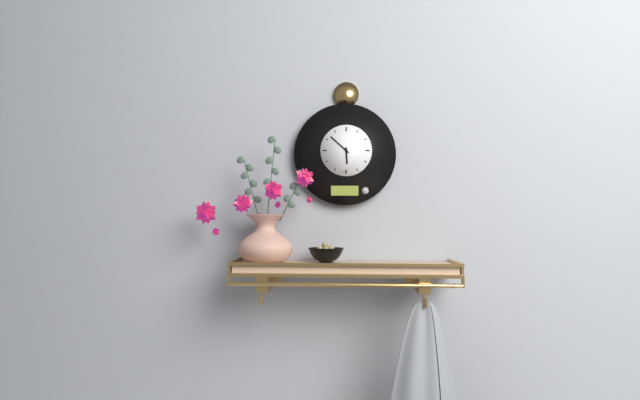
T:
5:52
